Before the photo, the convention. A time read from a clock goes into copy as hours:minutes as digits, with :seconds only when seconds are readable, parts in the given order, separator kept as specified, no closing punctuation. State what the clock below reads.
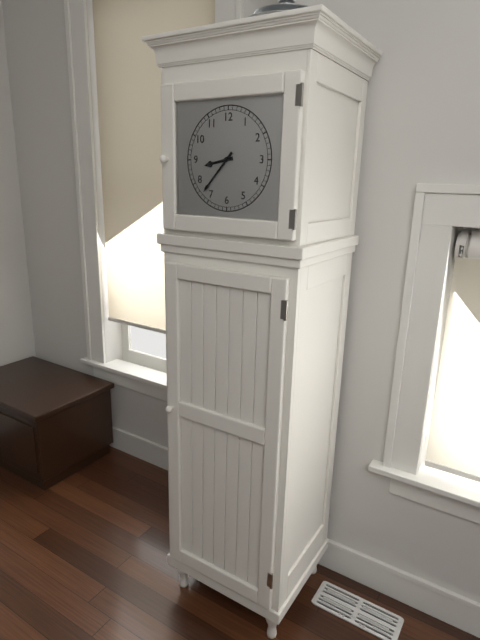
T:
8:37
